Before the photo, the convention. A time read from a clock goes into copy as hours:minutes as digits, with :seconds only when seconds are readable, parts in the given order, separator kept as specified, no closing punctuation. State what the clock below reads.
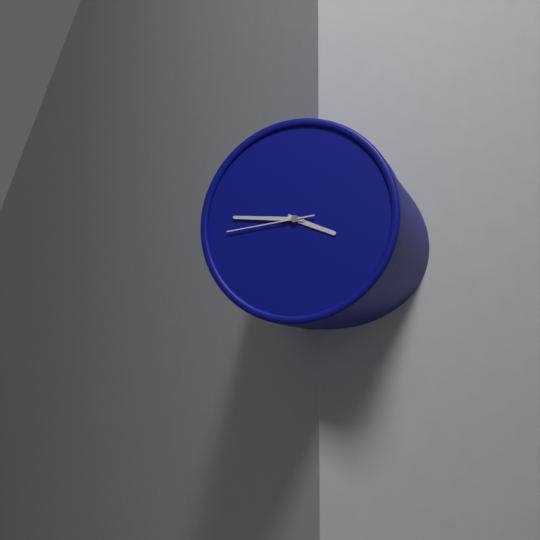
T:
3:46:44
